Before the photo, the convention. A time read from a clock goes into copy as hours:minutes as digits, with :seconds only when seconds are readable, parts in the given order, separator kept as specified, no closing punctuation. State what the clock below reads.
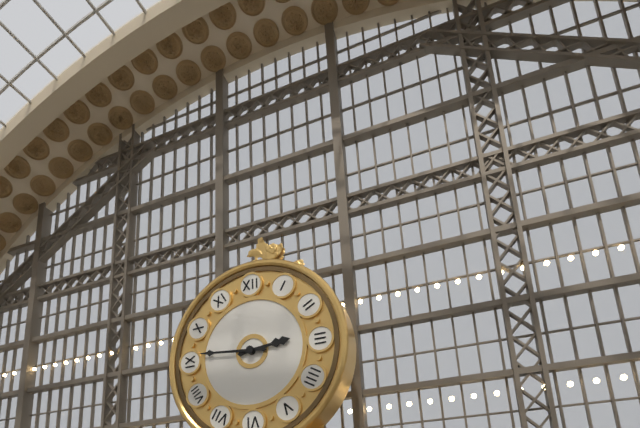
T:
2:46
